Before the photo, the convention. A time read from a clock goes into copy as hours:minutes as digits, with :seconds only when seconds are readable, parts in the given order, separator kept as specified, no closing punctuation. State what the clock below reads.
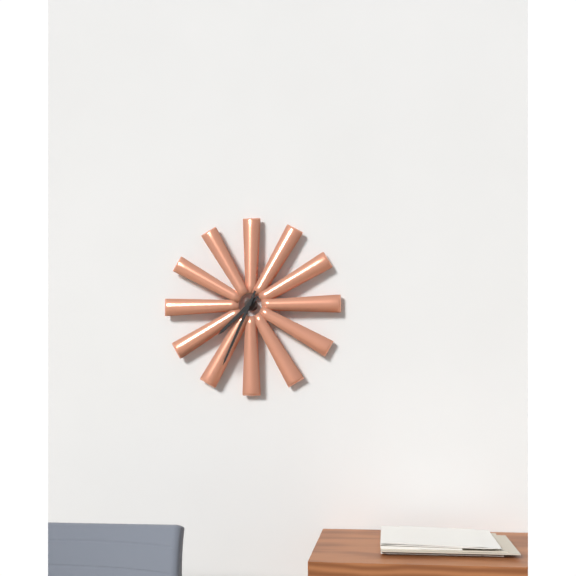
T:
7:34
